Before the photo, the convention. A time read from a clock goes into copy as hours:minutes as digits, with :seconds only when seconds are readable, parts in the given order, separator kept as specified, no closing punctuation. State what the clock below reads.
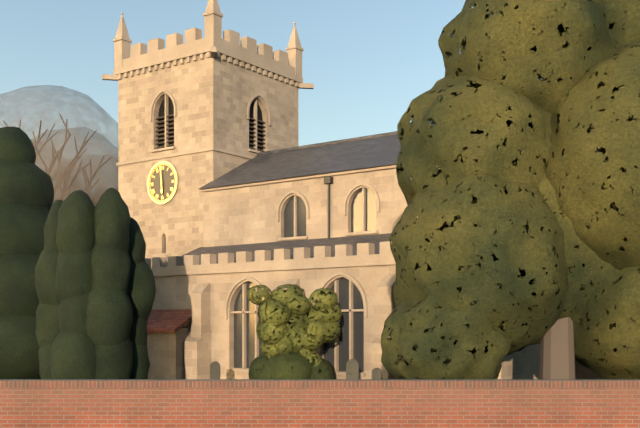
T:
5:59
